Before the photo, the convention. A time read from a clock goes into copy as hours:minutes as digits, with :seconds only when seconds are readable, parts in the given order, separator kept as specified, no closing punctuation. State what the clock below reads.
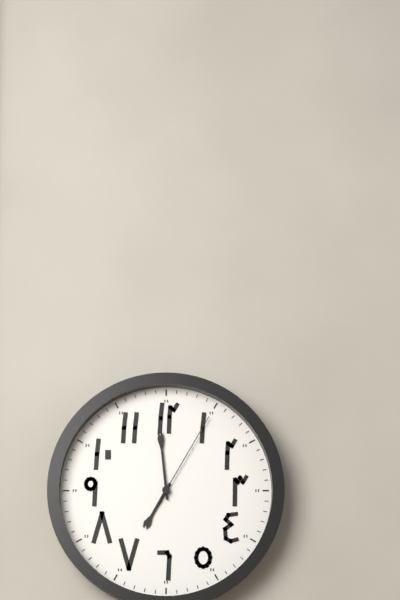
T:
6:59:05
